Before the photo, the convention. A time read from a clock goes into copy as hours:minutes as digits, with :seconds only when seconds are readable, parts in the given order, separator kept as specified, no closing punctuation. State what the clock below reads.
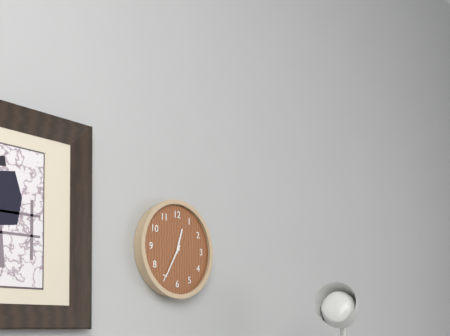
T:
12:35
